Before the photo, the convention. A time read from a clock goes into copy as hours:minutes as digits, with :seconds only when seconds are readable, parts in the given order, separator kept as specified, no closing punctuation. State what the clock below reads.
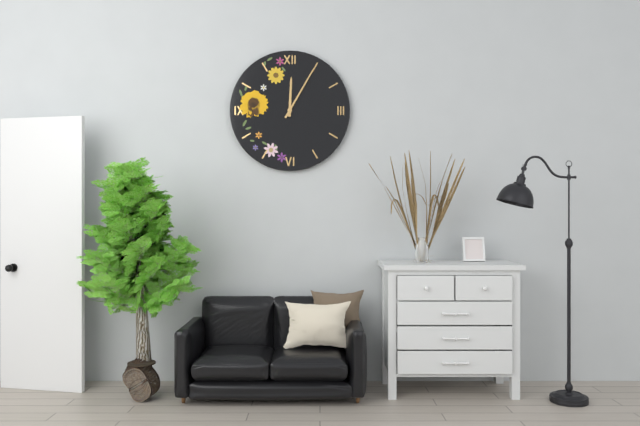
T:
12:05
